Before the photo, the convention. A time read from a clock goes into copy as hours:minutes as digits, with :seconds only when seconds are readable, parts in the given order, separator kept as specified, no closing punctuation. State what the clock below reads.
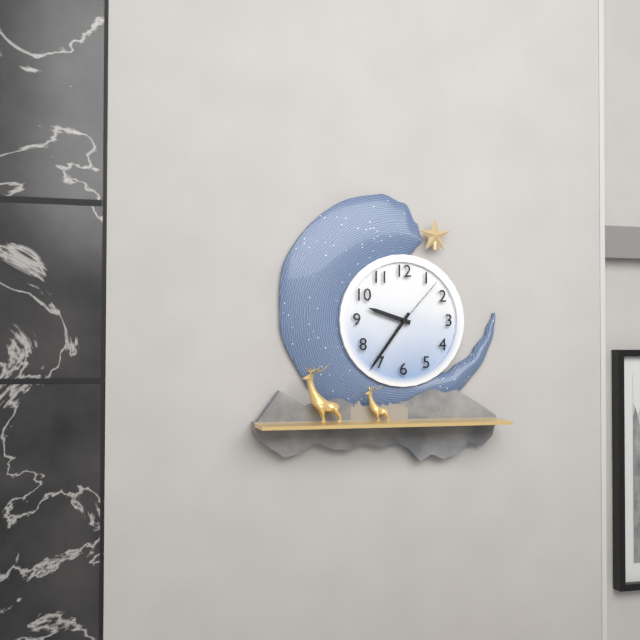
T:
9:36:07
